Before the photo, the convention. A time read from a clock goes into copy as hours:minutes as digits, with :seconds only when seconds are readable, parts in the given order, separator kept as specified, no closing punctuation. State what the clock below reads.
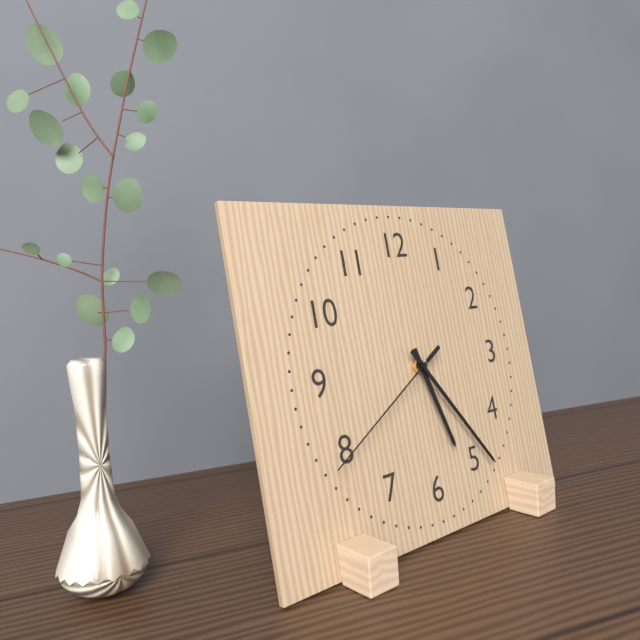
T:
5:24:40
